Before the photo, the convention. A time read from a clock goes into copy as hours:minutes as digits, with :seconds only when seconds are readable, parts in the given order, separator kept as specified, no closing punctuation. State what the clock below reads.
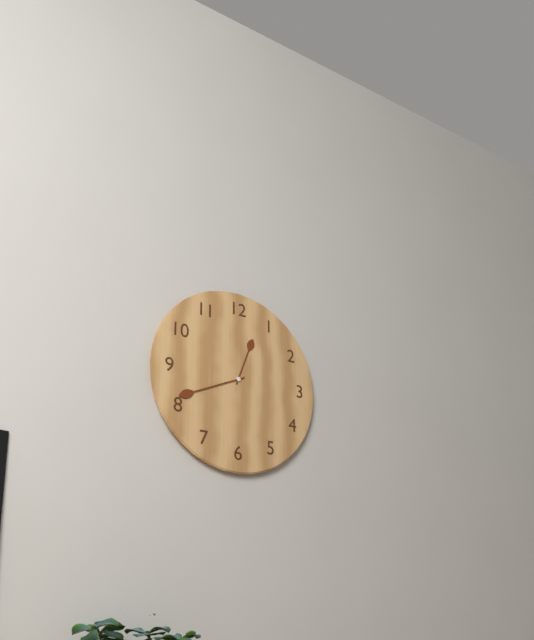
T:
12:41
